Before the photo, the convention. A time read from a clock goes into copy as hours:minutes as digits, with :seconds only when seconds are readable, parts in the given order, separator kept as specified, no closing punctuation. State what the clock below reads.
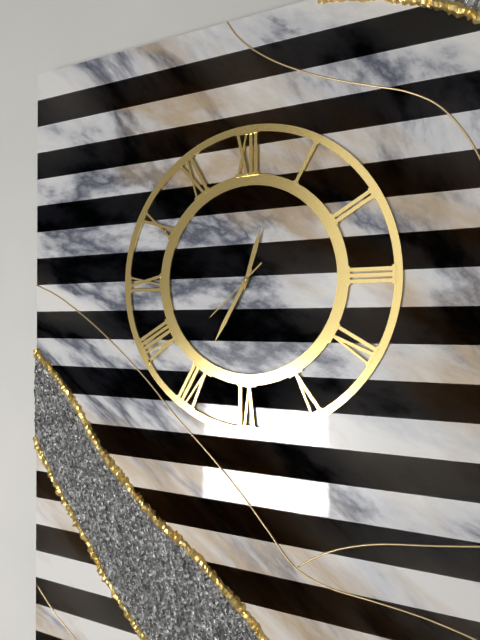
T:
12:35:38
